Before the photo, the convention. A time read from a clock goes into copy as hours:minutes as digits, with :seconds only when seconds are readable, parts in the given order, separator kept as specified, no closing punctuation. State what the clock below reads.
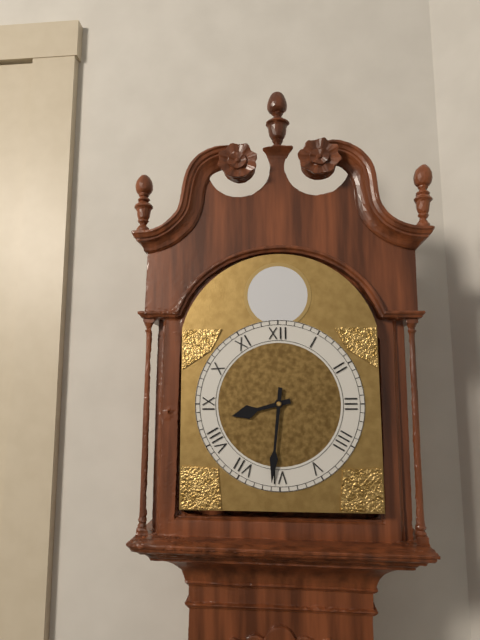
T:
8:31
